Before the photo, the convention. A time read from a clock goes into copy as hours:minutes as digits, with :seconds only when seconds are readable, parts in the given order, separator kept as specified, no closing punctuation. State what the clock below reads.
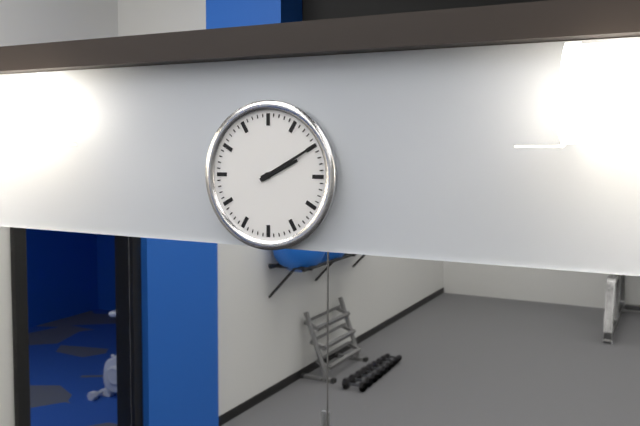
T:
2:10
